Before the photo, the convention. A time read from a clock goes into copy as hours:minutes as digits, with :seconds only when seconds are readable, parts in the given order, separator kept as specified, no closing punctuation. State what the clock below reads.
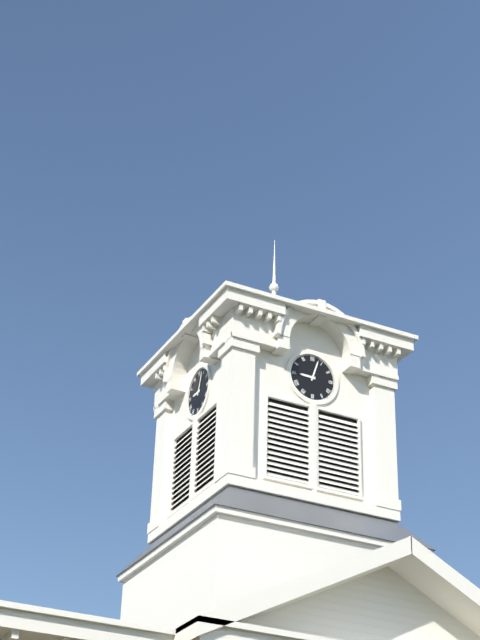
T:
9:03
